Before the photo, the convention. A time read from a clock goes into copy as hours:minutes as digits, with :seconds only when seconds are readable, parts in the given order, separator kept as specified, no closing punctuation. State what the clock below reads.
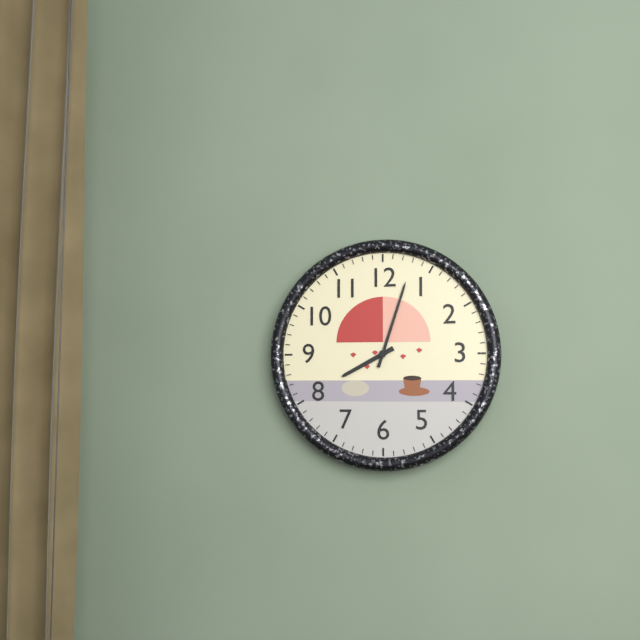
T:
8:03
